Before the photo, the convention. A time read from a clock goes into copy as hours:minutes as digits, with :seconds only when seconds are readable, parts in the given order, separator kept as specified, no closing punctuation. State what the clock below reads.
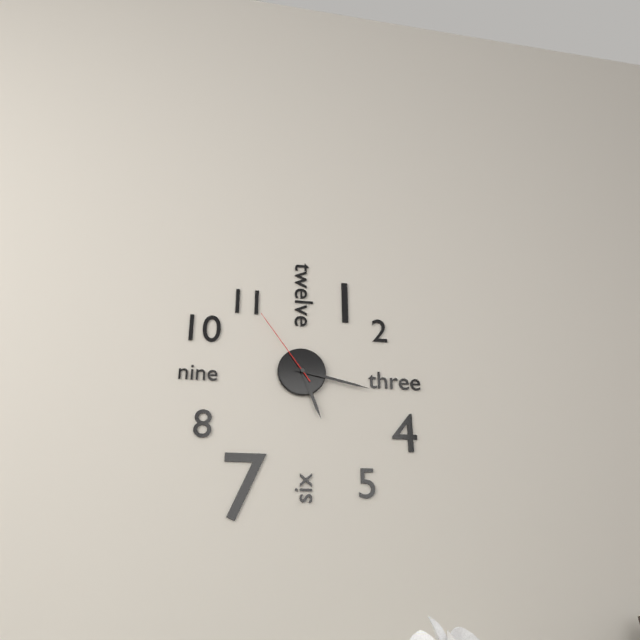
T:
5:17:54
